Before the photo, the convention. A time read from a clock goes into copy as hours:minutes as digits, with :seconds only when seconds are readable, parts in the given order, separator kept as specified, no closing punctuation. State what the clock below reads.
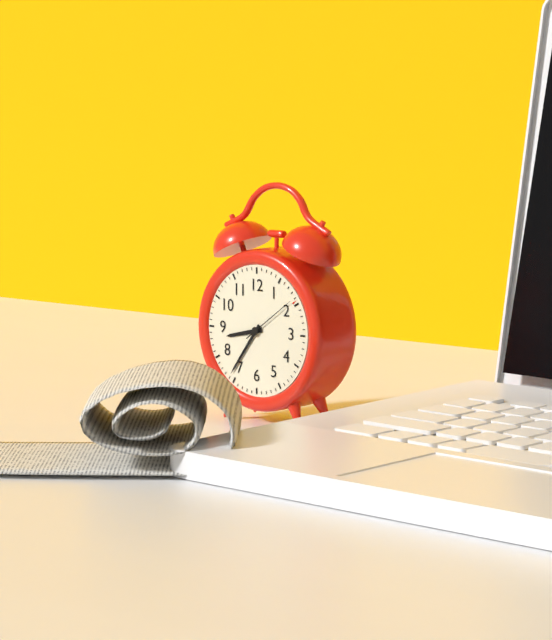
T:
8:36:09
